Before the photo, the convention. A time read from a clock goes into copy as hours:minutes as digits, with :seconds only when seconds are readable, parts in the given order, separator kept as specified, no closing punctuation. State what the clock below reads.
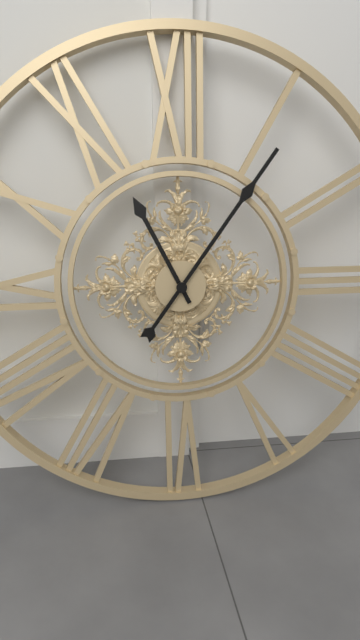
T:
11:06
